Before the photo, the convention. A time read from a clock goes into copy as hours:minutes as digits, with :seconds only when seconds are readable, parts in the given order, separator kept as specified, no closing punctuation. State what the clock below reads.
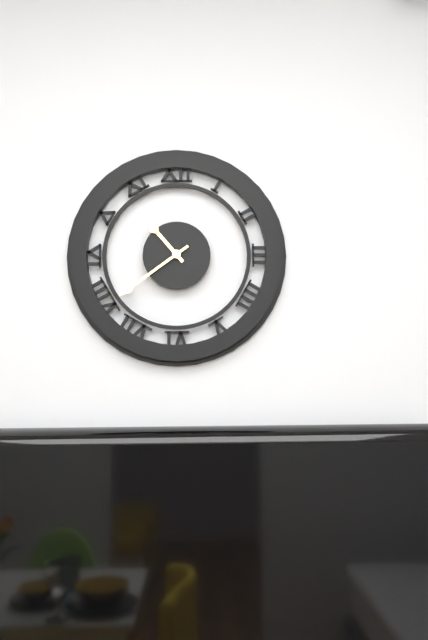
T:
10:39
